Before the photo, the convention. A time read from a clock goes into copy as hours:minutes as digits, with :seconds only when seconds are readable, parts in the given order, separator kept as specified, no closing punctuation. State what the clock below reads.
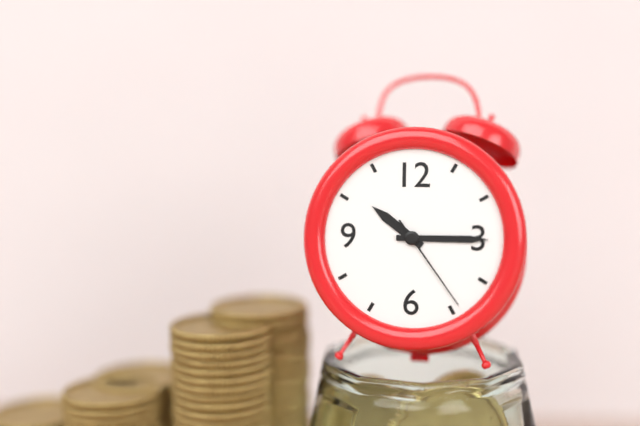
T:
10:15:24
